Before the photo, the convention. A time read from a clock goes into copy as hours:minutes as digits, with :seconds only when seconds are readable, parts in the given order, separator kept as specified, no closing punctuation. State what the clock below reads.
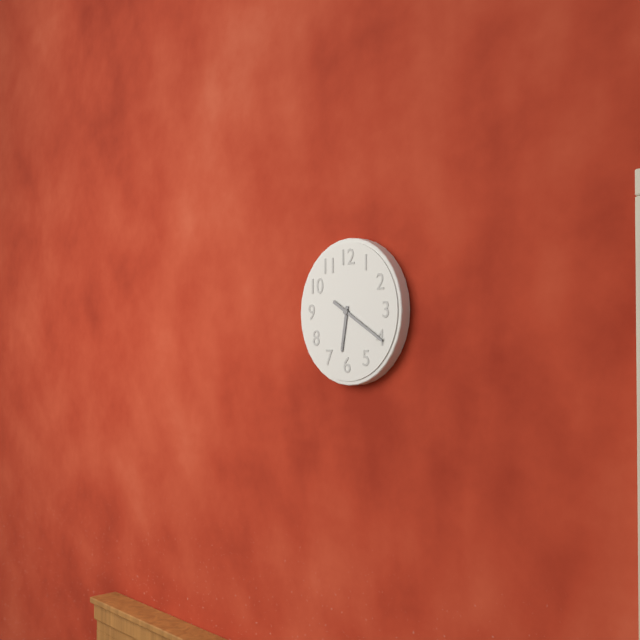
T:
6:20
